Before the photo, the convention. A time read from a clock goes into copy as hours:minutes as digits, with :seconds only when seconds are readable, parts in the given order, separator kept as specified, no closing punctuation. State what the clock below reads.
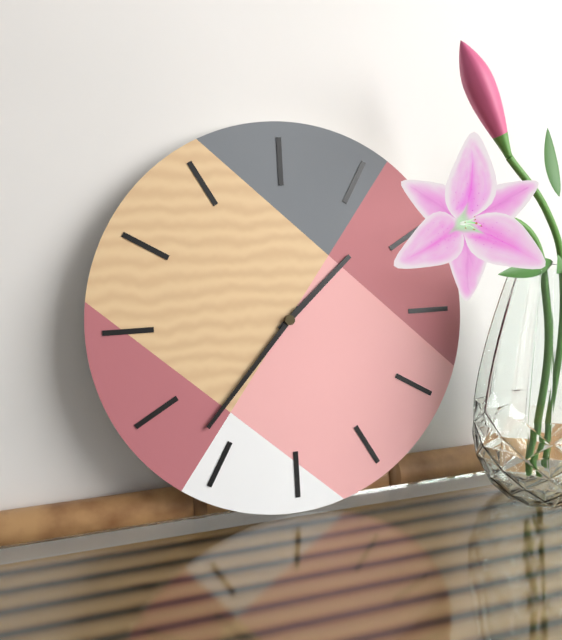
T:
1:37
